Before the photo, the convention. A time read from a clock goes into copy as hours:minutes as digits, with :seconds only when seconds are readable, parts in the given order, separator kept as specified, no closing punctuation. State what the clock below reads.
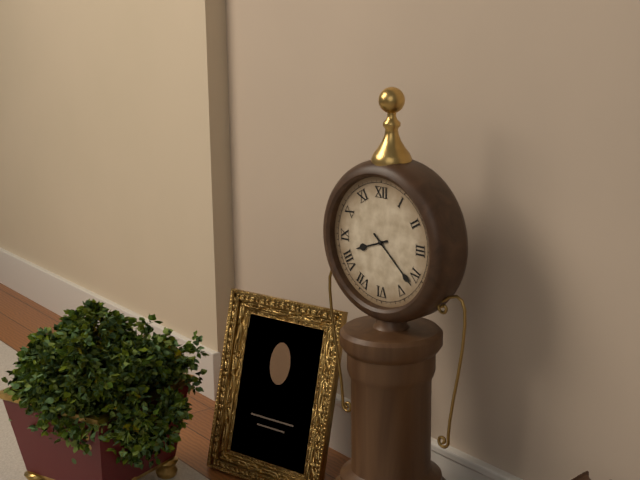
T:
8:22
